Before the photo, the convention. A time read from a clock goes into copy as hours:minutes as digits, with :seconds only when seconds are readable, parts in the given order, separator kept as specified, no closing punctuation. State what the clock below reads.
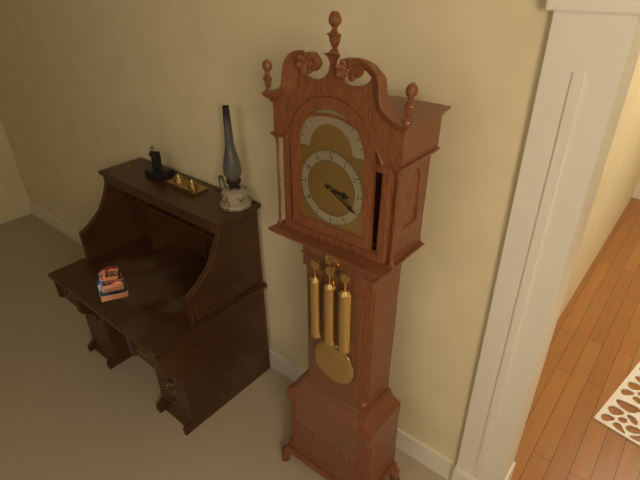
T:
3:20
